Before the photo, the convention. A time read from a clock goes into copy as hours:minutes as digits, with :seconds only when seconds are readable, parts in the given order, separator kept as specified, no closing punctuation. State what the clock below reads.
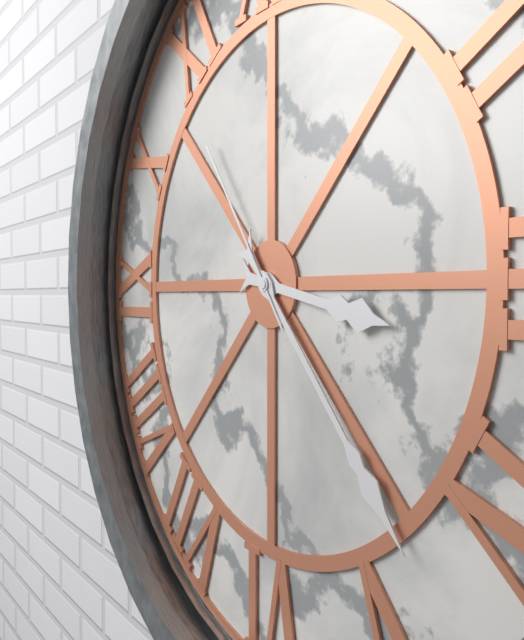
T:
3:23:54
